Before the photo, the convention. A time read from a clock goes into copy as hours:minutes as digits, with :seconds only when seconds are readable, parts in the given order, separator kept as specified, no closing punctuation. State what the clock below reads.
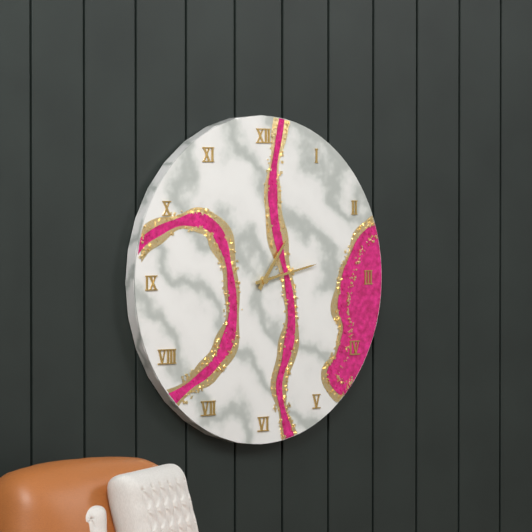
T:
1:13
